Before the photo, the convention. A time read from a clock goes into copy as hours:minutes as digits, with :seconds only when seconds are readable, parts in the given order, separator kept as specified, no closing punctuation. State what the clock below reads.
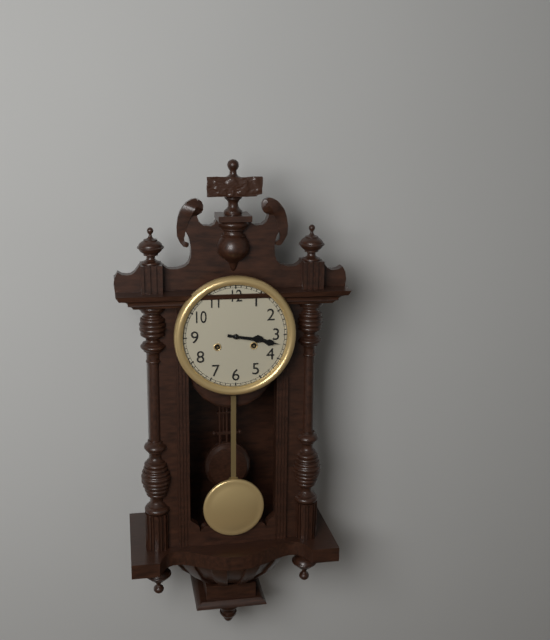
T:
3:17
